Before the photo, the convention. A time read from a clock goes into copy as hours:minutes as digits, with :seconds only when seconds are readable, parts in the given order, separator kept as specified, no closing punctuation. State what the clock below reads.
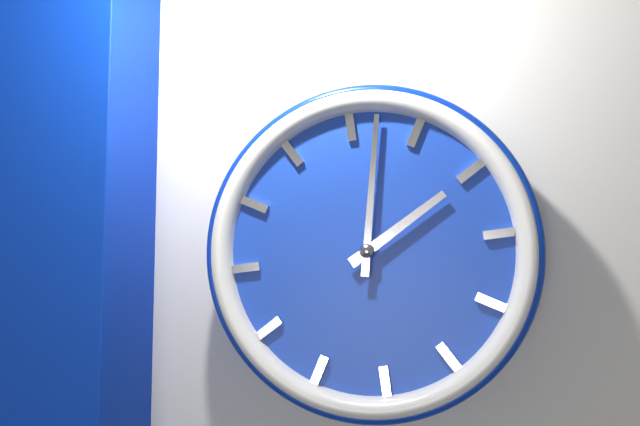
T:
2:02
